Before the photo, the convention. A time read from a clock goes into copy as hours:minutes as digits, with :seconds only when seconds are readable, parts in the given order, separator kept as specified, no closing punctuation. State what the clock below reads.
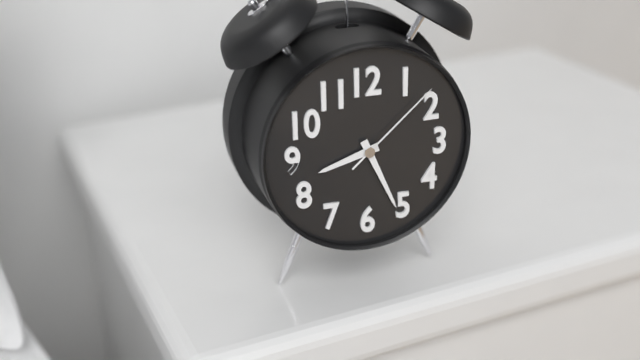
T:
8:26:08
